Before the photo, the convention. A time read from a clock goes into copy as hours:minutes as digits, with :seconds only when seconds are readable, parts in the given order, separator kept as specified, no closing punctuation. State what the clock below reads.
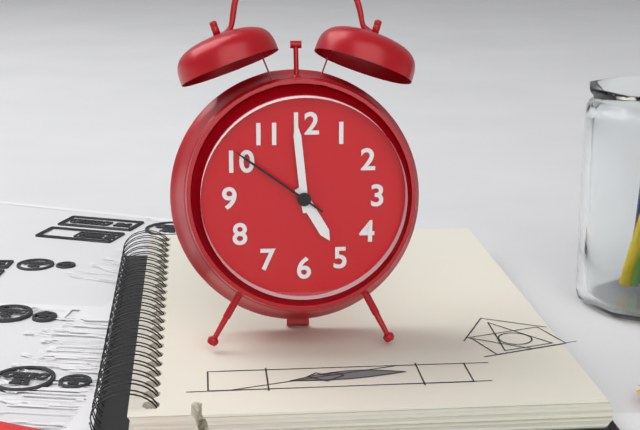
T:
4:59:51
